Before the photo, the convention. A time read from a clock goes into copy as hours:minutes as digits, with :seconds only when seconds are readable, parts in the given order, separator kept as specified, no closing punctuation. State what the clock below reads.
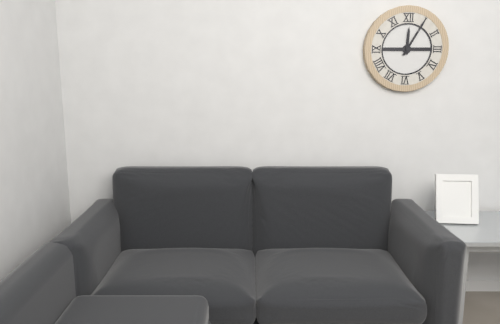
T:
12:05
